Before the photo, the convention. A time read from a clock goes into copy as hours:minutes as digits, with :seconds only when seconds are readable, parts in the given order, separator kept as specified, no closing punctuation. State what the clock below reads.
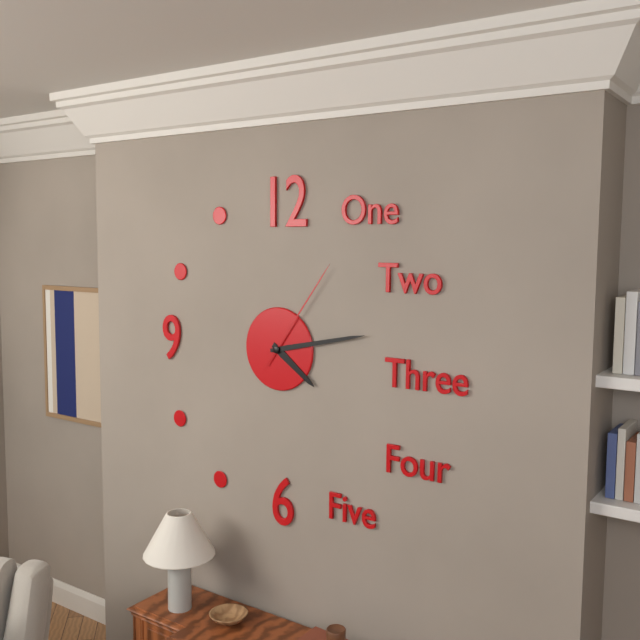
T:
4:13:06
